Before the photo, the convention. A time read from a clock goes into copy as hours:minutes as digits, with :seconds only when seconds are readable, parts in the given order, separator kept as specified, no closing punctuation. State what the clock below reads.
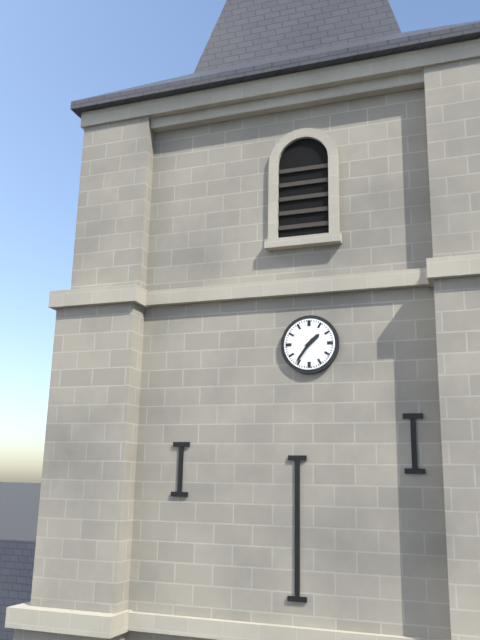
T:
1:36
